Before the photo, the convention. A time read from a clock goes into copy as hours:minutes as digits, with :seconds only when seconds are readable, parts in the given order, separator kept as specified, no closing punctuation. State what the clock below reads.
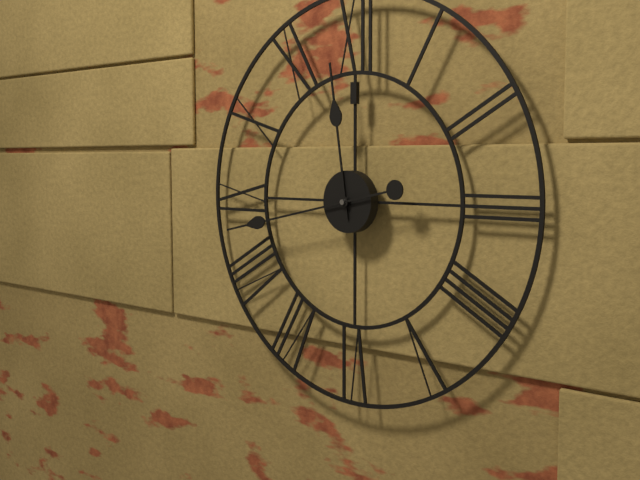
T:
11:43
